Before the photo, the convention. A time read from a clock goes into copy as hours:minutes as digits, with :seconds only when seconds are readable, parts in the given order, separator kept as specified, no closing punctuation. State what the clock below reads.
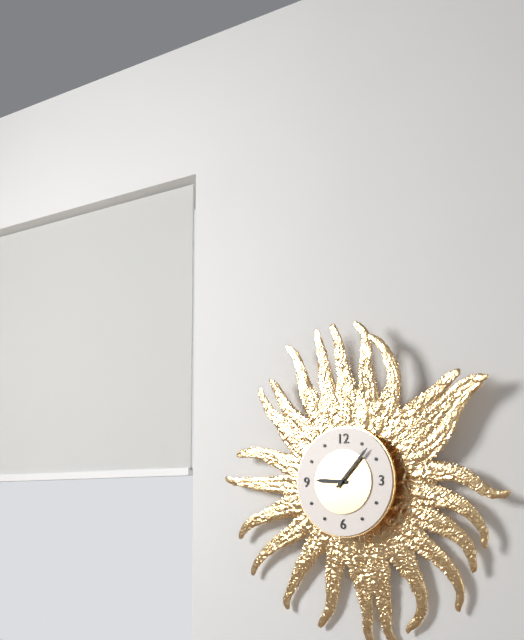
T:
9:07
